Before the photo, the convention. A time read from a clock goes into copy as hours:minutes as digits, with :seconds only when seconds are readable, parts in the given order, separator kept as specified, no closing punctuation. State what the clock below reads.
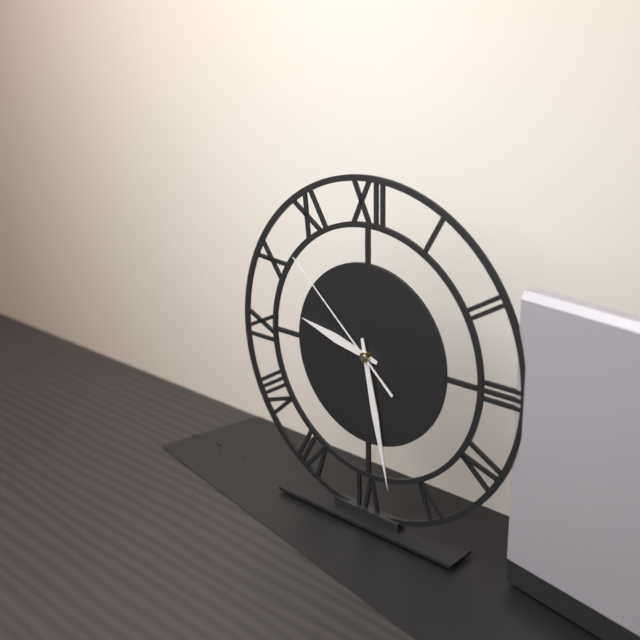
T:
9:28:52
